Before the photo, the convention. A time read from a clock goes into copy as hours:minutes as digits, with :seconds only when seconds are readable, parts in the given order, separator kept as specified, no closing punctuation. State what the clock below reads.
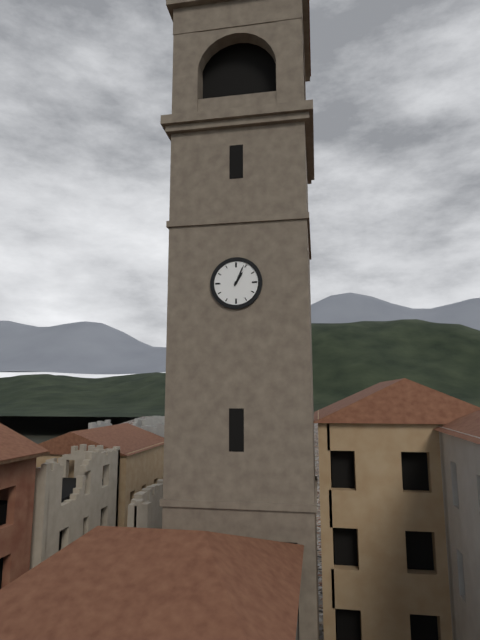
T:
1:04
